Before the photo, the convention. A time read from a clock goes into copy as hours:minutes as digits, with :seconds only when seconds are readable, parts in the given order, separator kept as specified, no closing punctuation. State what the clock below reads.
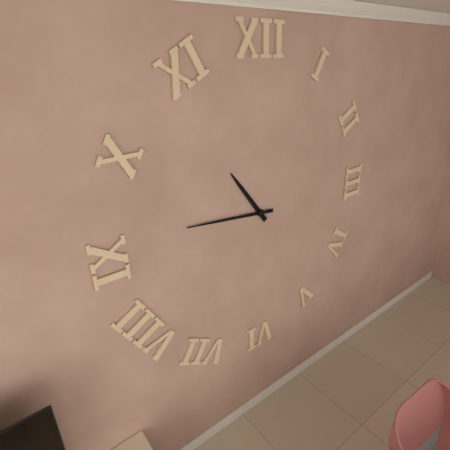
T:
10:46
